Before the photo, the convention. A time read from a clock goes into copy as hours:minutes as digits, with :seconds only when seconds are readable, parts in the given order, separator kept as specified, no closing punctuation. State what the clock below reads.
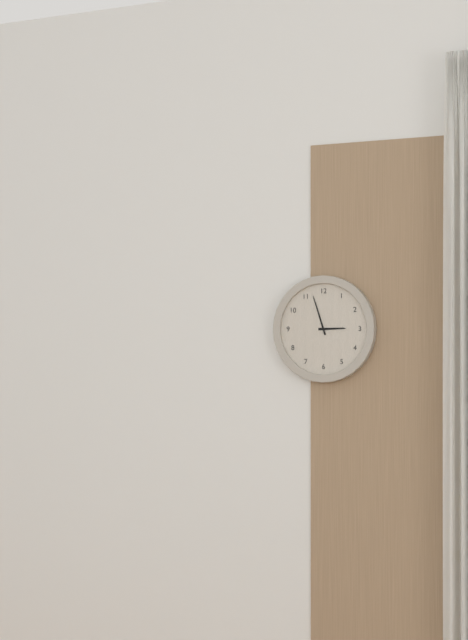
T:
2:57
